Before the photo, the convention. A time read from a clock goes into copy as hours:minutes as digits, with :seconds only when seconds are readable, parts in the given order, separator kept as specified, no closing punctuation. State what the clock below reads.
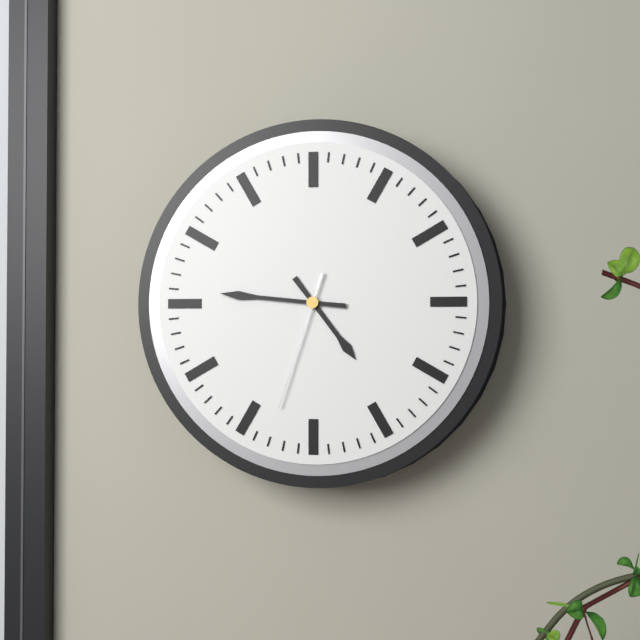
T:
4:46:33
